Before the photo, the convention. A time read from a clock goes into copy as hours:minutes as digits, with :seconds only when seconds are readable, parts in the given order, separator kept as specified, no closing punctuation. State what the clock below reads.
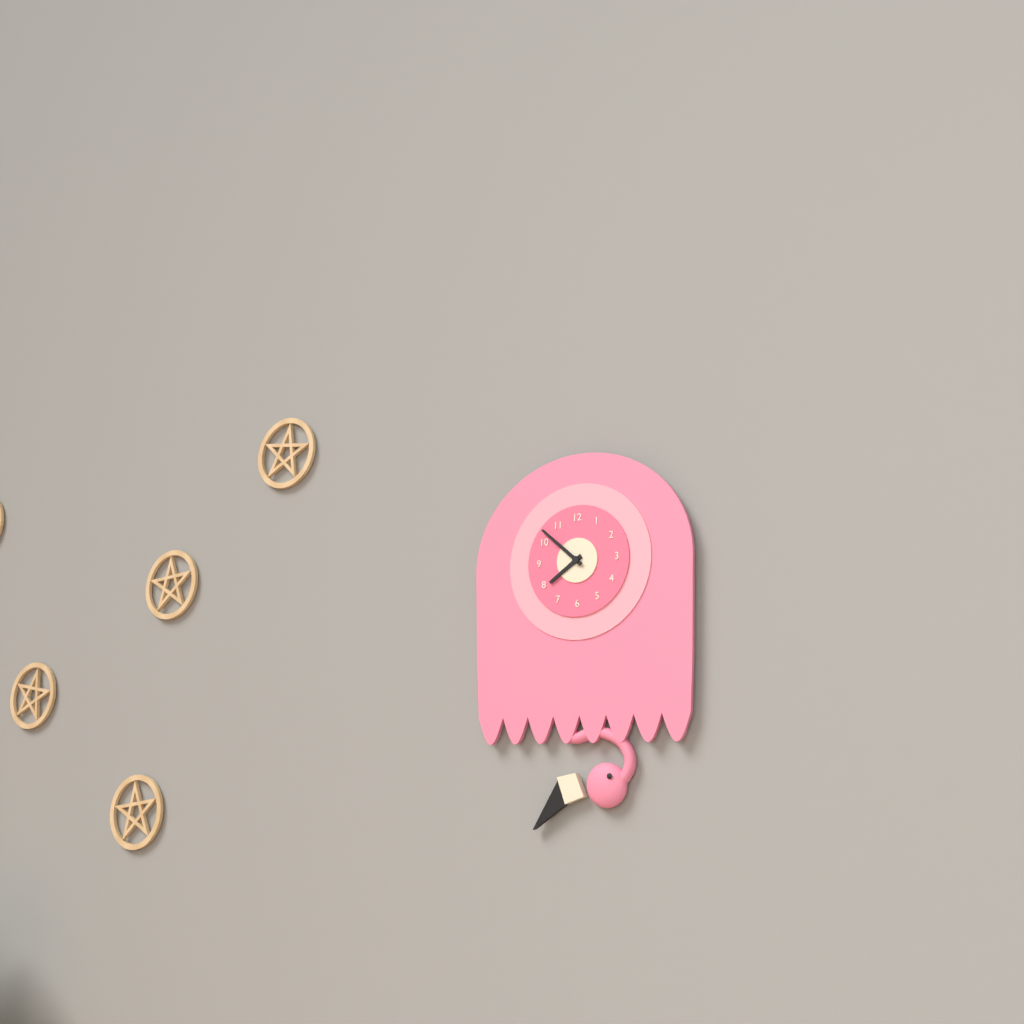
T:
7:52
